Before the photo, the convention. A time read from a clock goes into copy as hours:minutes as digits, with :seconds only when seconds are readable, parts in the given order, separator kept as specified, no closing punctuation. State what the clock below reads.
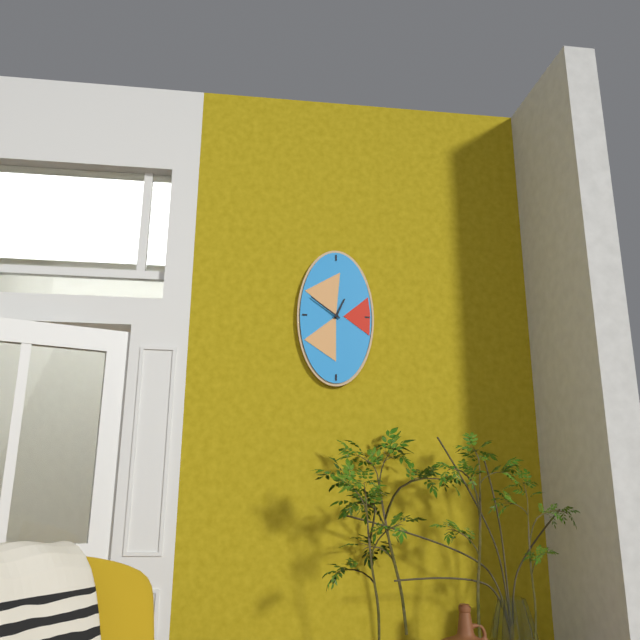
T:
12:51
